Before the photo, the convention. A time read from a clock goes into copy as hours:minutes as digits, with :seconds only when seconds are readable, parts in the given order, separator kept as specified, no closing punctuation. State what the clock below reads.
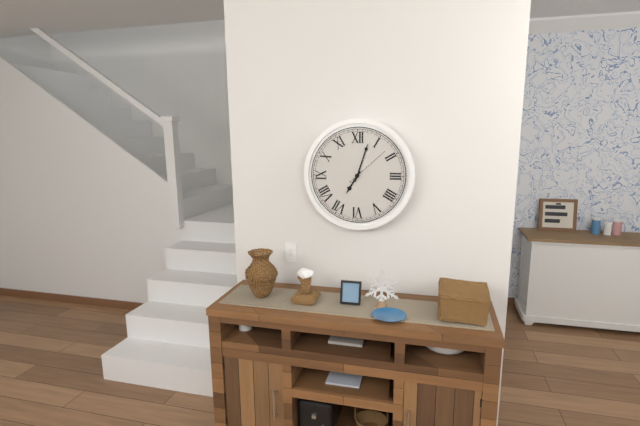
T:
7:03
